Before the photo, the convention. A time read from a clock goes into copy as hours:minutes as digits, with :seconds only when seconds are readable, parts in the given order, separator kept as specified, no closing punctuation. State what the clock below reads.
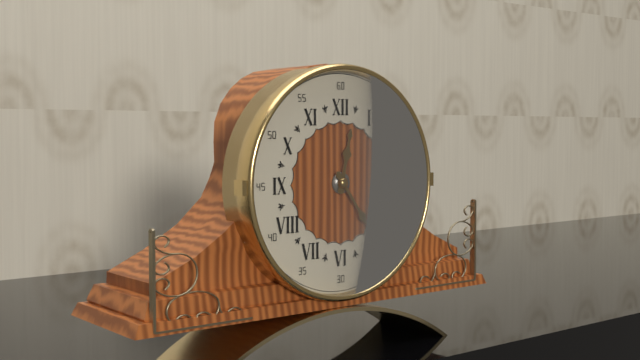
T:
12:24
